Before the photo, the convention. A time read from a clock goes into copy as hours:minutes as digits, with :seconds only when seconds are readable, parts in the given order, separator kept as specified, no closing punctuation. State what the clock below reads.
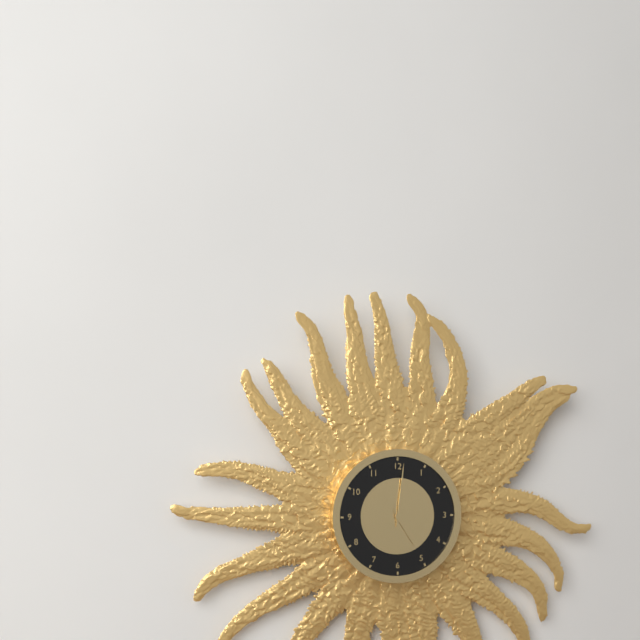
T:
5:01
